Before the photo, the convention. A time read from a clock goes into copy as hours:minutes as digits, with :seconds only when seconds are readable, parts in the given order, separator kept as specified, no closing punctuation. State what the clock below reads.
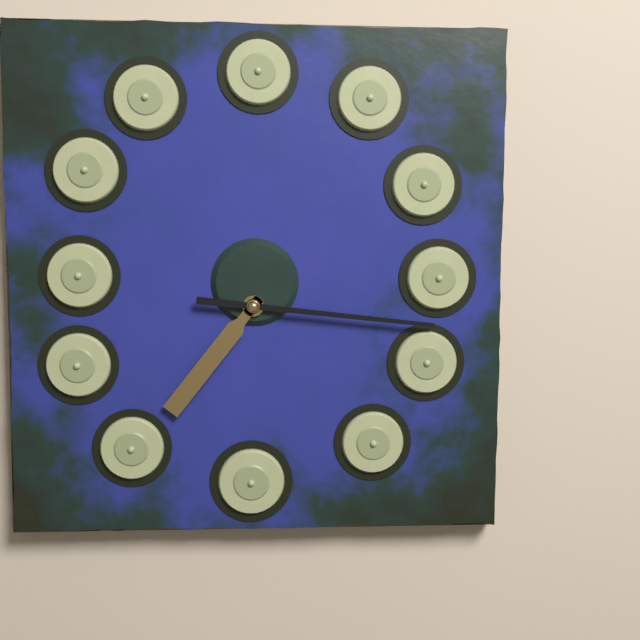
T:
7:16
